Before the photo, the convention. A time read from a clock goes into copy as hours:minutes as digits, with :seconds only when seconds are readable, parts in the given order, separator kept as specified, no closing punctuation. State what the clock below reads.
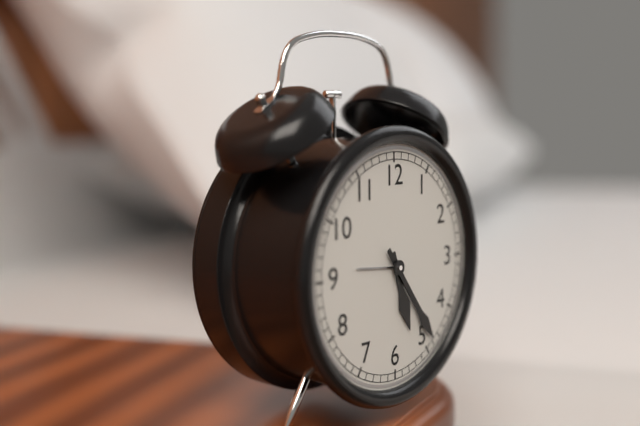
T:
5:24
